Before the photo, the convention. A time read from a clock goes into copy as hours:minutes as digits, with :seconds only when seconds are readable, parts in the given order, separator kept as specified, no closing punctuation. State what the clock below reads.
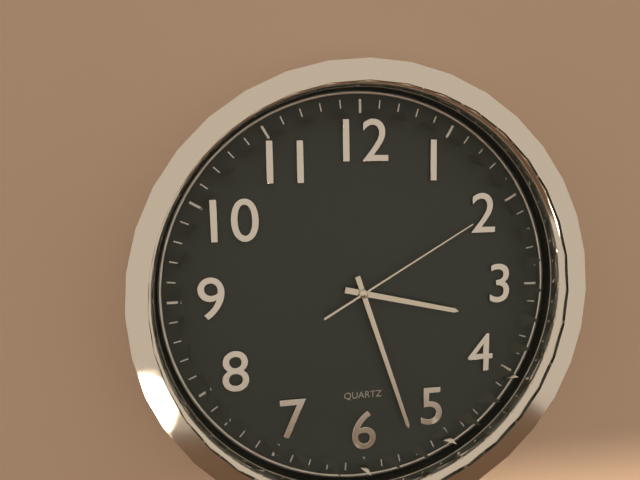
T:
3:27:10
